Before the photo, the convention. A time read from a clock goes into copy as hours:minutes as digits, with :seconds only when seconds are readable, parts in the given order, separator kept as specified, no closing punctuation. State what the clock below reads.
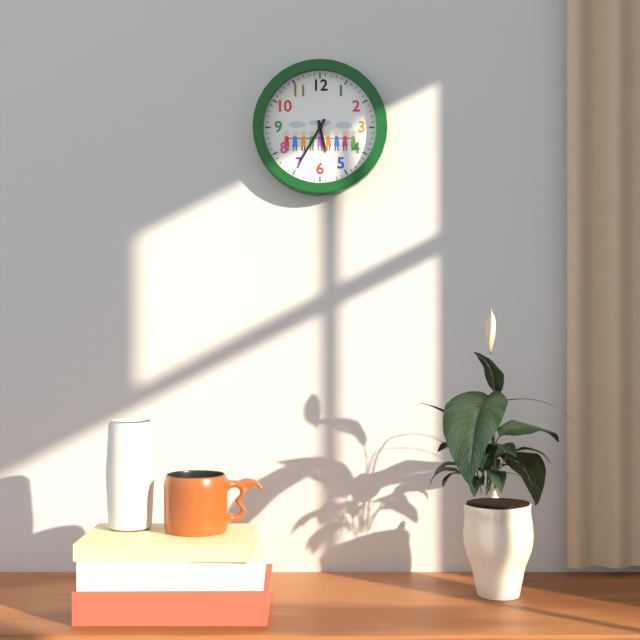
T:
5:35
